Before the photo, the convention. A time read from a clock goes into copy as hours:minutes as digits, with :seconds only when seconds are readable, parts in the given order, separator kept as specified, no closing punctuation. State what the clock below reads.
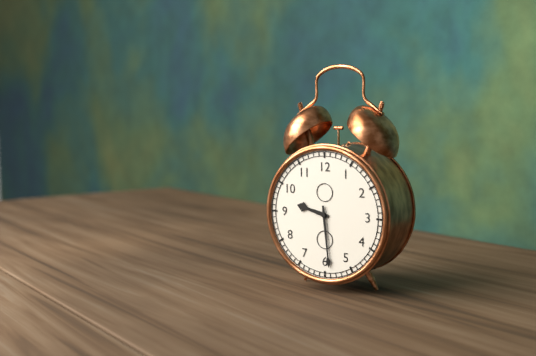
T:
9:29
